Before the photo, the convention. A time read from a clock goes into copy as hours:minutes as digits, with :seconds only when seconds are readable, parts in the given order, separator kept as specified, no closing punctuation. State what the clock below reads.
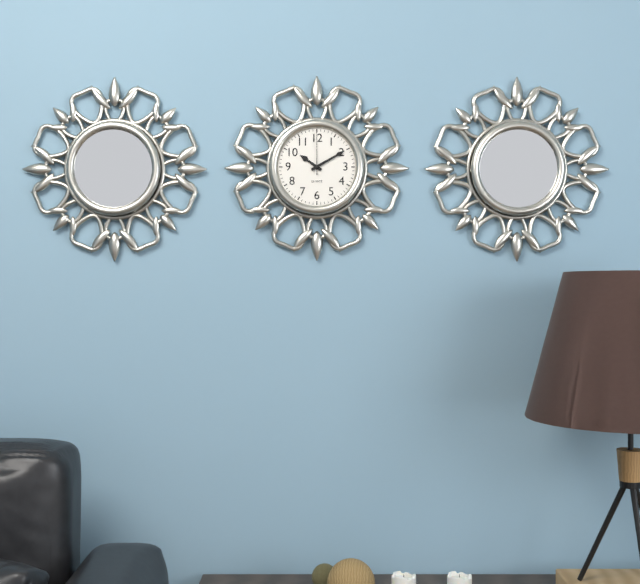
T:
10:10
